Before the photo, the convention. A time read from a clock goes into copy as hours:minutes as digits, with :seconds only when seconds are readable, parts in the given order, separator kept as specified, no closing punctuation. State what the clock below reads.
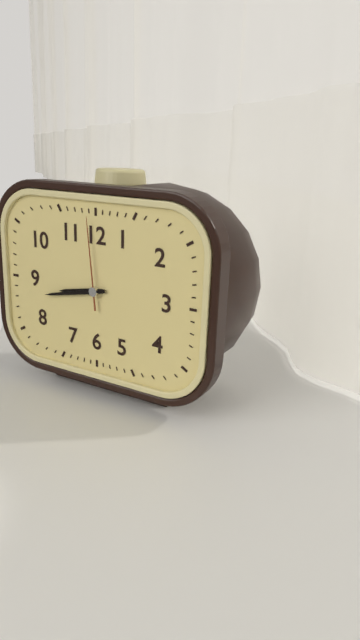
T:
8:43:59
